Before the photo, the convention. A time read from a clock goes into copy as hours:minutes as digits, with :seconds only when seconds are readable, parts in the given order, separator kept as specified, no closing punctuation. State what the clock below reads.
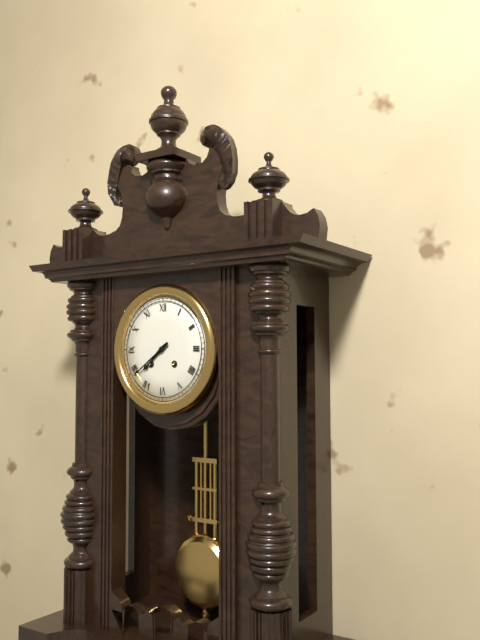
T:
7:39
